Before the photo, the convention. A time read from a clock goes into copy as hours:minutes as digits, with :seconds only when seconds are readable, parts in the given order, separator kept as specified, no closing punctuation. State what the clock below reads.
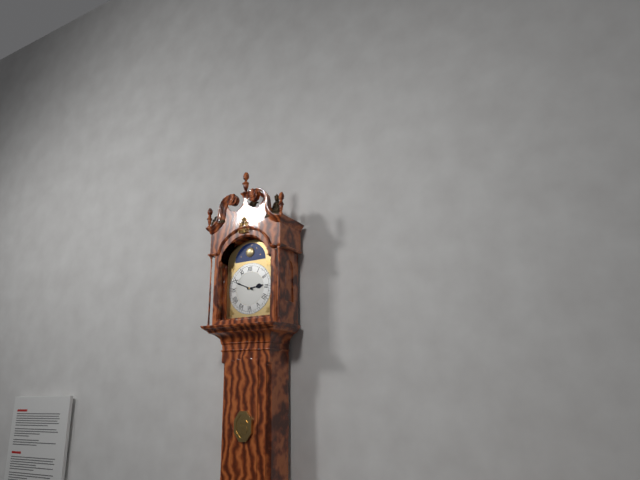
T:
2:49
